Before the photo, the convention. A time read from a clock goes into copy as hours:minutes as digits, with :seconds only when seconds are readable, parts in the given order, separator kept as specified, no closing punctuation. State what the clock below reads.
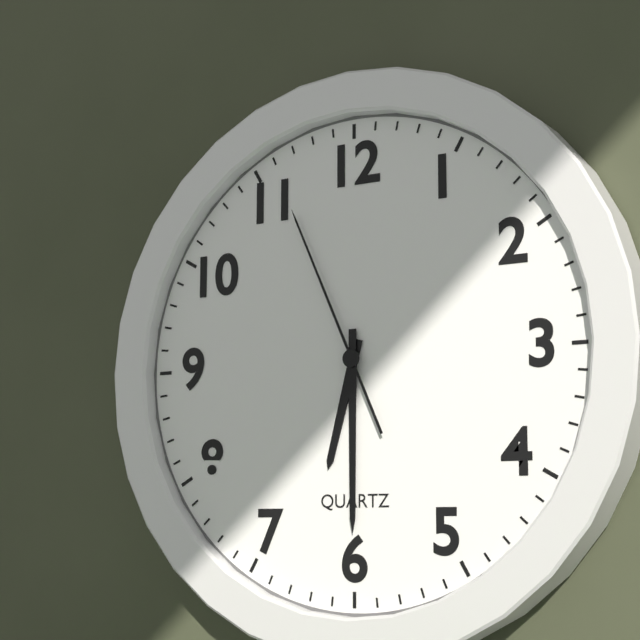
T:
6:30:56
